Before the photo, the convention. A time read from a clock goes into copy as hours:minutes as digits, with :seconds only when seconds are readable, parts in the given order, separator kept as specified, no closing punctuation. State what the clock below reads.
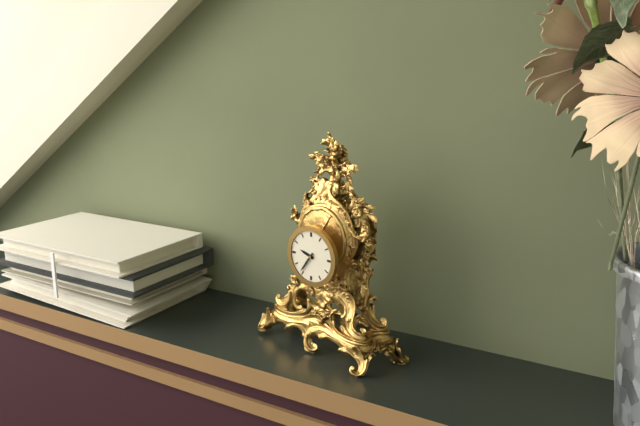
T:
9:36
